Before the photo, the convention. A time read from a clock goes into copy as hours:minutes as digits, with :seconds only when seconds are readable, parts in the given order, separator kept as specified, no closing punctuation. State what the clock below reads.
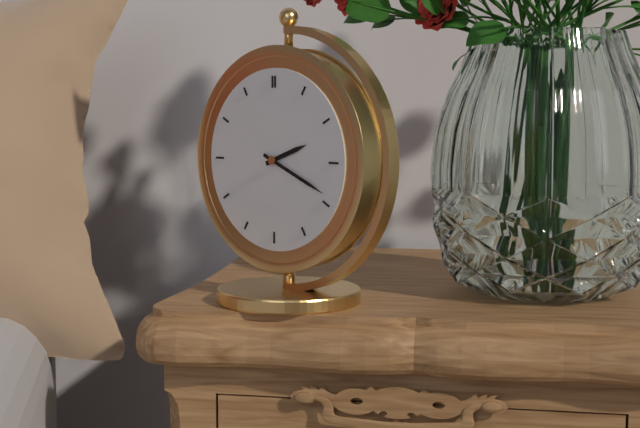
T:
2:19
